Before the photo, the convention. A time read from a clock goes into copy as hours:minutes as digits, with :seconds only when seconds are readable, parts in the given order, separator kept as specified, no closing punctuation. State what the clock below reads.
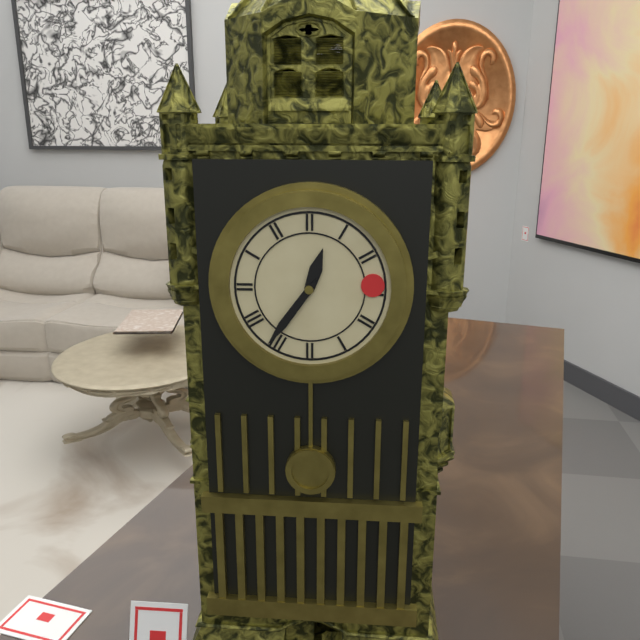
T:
12:36
